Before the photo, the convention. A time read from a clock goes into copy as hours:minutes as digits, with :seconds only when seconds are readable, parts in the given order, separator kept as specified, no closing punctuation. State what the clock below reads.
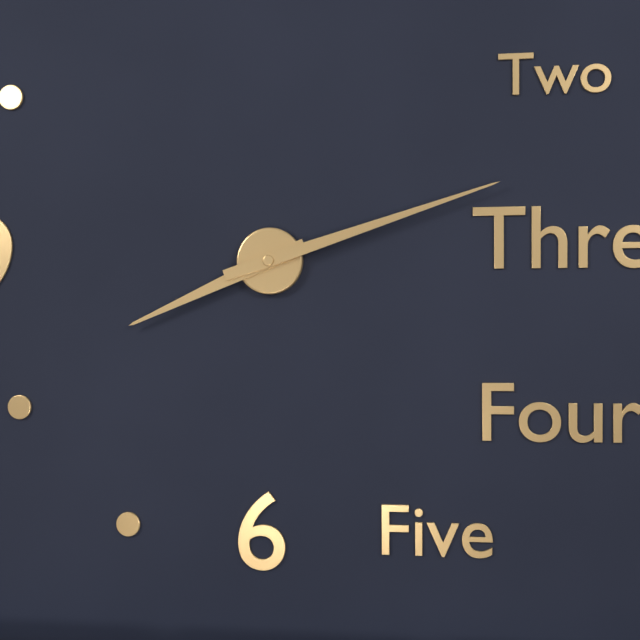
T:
8:12
